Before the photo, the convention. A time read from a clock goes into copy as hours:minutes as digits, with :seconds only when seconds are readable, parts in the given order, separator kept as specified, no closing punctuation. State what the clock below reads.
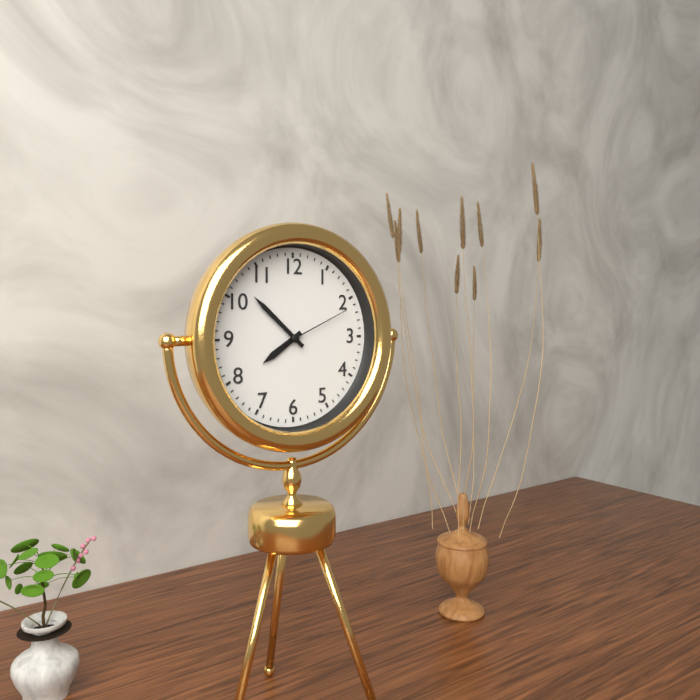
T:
7:52:11
